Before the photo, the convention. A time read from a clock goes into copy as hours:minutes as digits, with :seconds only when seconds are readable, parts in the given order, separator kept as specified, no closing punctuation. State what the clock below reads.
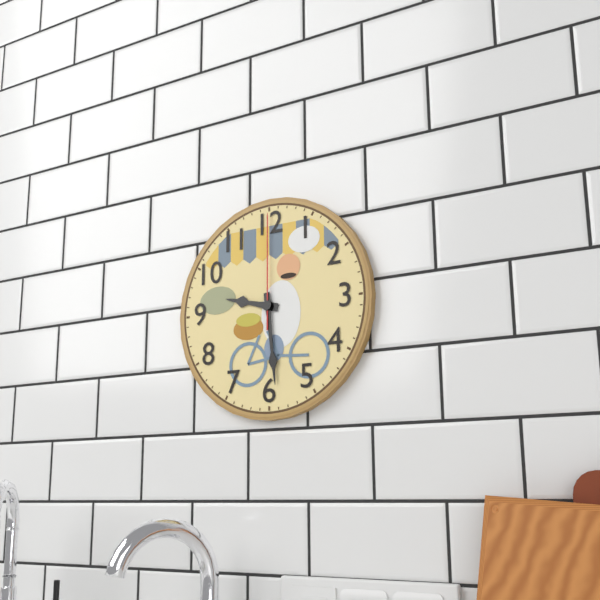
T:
9:29:00
